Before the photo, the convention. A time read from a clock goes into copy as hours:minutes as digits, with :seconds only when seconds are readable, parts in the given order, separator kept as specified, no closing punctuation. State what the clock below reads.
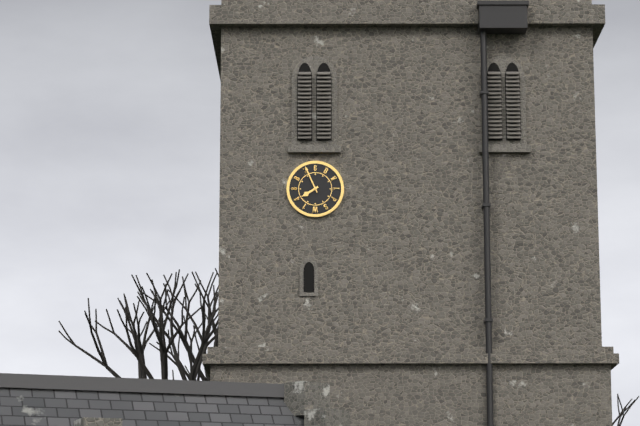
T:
7:56
